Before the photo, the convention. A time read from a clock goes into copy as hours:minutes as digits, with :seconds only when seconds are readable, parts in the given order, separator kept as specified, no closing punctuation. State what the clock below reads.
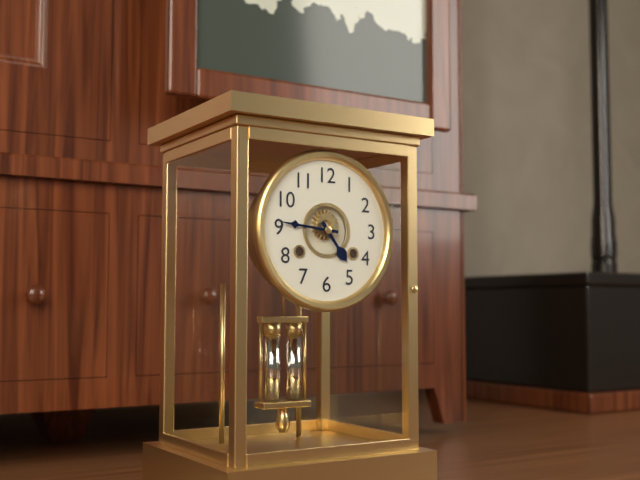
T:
4:46
